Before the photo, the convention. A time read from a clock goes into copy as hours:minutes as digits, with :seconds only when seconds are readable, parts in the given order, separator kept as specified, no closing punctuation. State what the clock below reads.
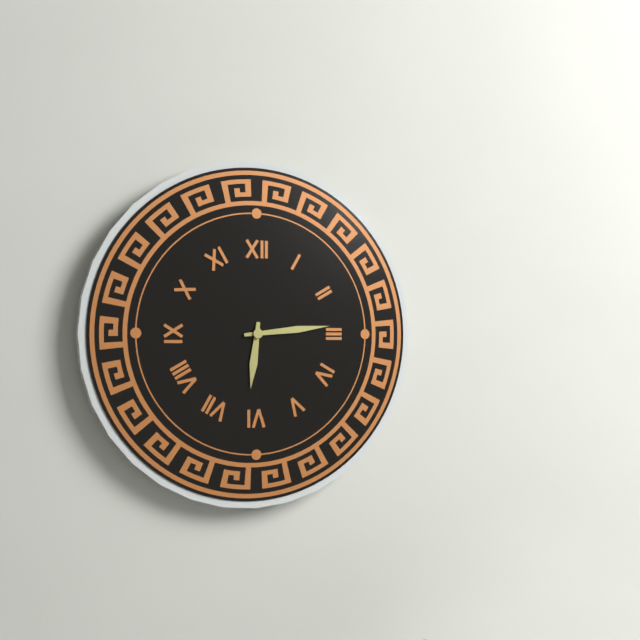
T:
6:14
